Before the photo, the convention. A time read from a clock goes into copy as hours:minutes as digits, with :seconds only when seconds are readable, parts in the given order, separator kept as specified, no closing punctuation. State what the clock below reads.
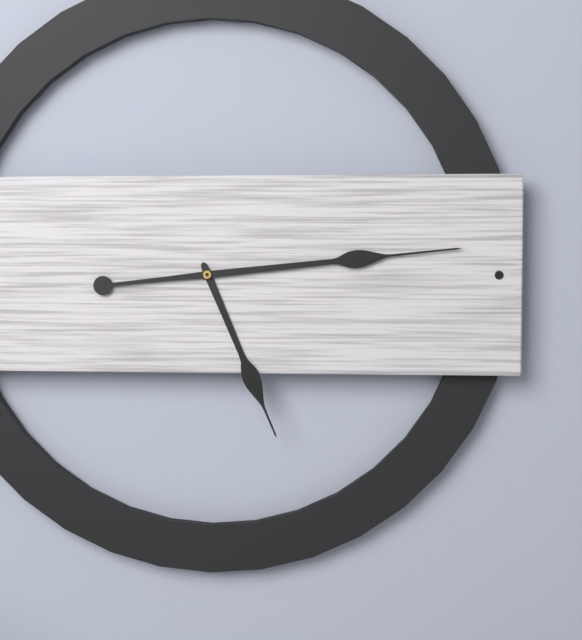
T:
5:14
